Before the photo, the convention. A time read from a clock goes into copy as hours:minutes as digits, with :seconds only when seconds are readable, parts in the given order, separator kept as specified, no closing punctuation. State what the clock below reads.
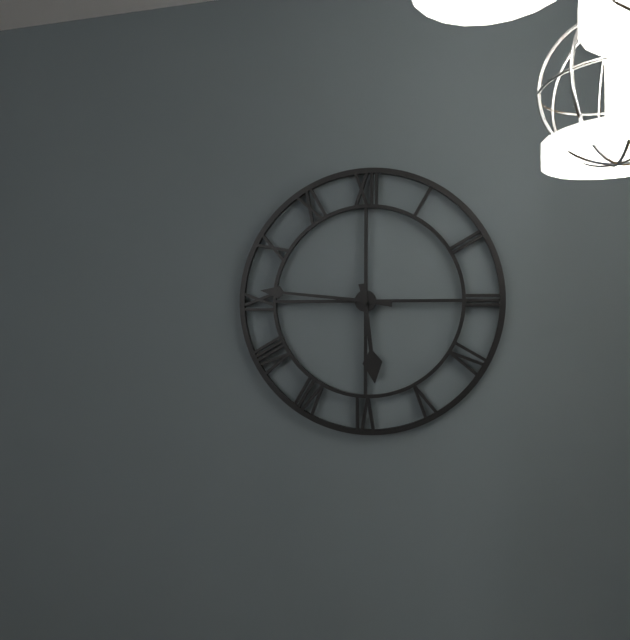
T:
5:46
